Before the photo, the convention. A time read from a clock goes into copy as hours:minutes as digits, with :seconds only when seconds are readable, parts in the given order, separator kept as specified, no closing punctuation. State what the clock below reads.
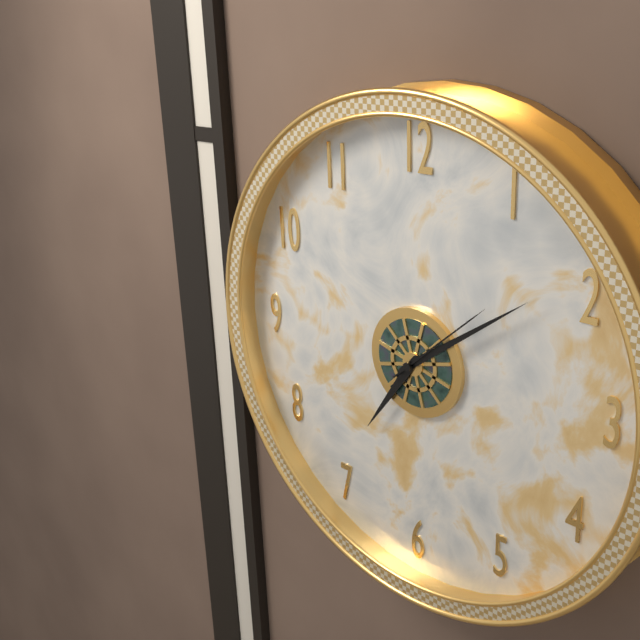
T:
7:09:08
